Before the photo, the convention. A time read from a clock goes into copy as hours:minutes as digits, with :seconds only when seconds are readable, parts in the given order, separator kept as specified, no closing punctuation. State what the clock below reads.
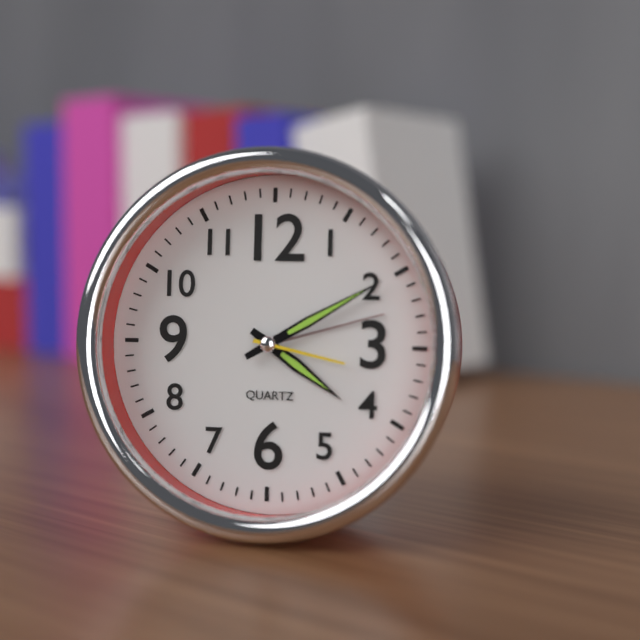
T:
4:10:17
